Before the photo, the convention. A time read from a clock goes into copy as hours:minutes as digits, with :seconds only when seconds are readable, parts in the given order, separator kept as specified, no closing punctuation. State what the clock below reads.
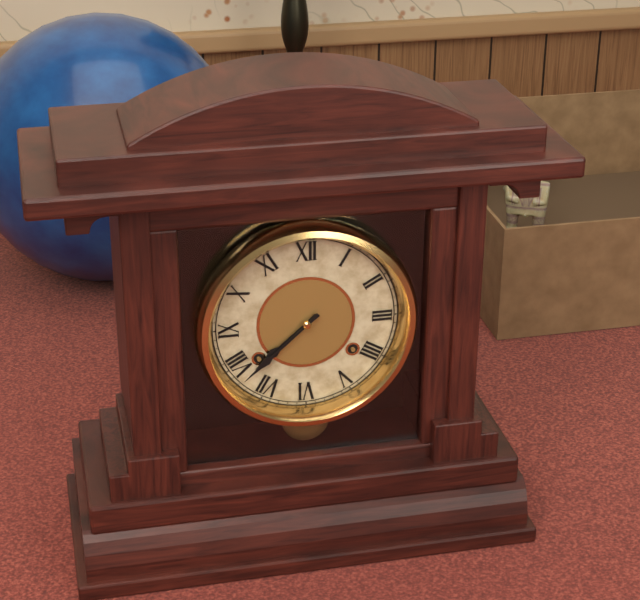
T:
7:38
